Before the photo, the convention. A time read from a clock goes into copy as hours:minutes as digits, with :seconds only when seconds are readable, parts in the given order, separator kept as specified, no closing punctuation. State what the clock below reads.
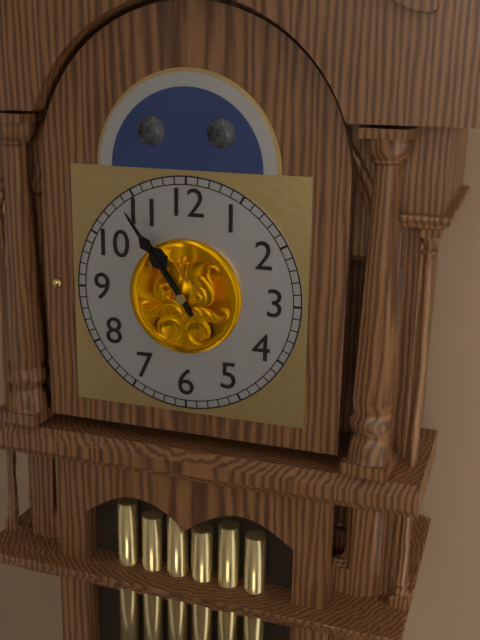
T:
10:54
